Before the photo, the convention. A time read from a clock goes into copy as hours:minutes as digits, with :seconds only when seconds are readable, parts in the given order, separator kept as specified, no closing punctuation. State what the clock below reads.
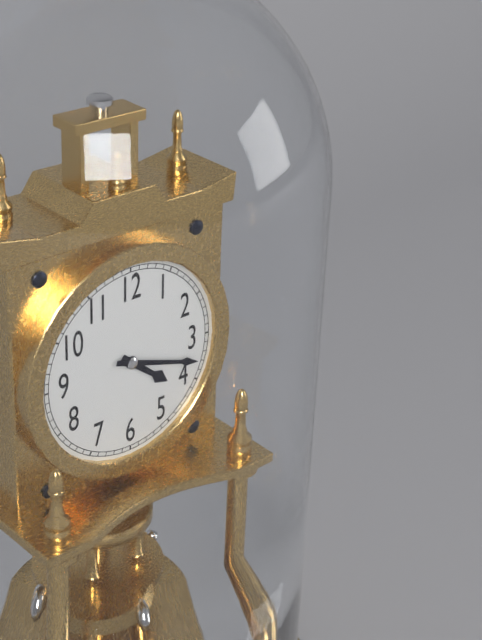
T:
4:18
